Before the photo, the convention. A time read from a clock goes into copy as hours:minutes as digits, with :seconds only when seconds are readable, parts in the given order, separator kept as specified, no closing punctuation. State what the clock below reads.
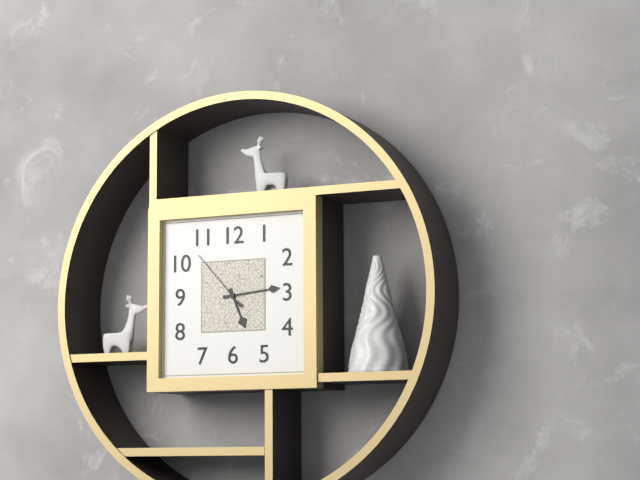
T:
5:14:53
